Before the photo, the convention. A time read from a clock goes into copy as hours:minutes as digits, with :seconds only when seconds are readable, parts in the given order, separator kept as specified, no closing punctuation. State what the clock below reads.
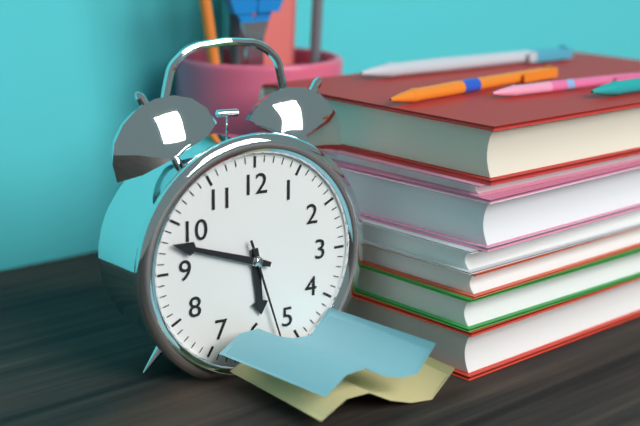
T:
5:48:27
